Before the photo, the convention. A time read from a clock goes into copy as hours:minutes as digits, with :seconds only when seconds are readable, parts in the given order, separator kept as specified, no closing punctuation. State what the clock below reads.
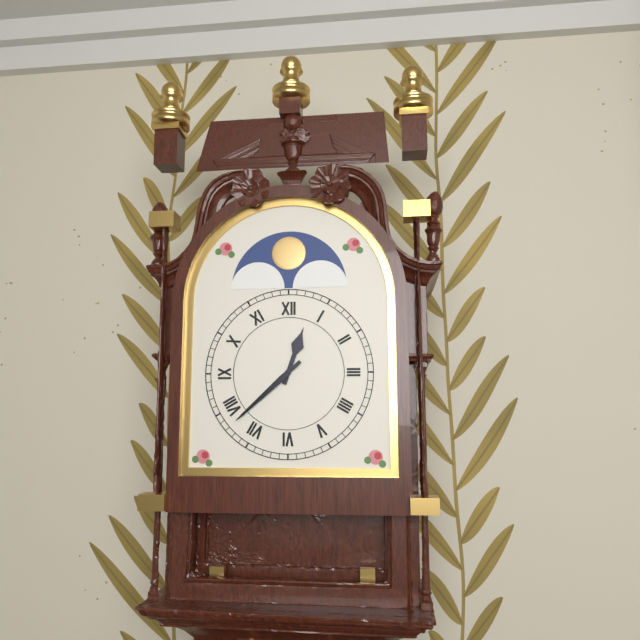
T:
12:38
